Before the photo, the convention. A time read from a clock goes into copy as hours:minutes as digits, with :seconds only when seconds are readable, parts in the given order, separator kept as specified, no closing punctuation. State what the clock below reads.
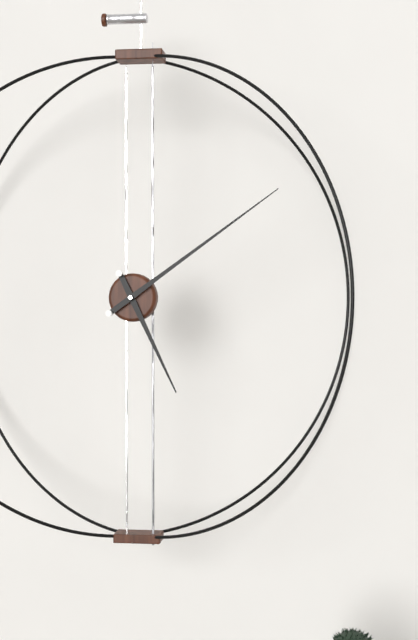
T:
5:09
